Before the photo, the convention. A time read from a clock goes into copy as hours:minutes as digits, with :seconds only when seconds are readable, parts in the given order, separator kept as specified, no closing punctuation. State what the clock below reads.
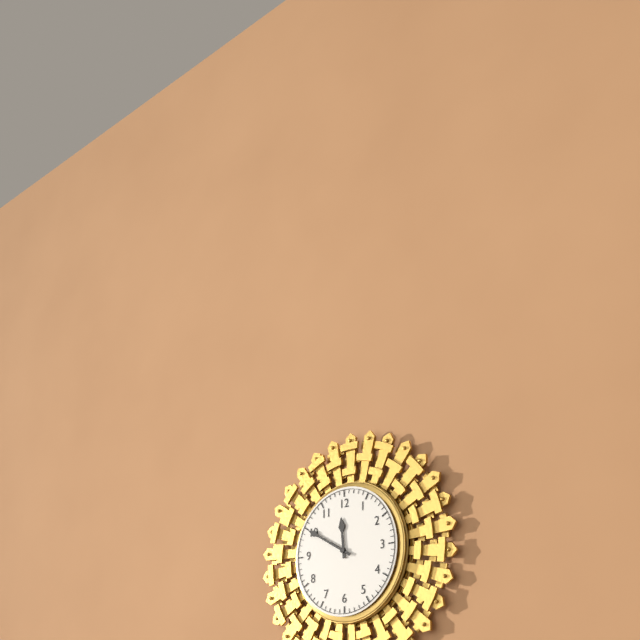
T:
11:50
